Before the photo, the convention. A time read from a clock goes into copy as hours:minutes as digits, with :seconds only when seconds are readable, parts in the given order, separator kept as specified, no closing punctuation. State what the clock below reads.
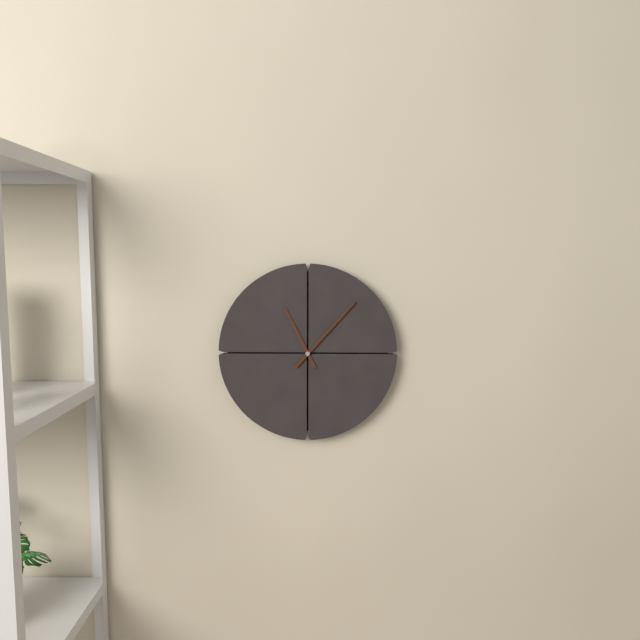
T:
11:07
